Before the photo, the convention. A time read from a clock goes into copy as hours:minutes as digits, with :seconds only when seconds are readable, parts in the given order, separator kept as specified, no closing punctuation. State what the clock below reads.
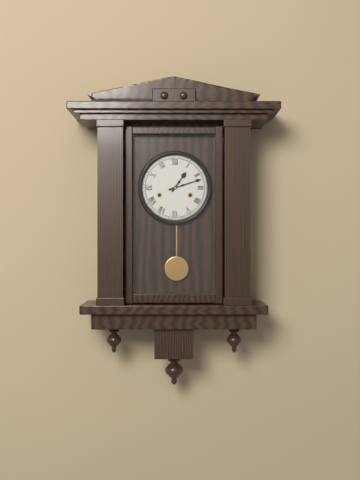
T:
1:12
